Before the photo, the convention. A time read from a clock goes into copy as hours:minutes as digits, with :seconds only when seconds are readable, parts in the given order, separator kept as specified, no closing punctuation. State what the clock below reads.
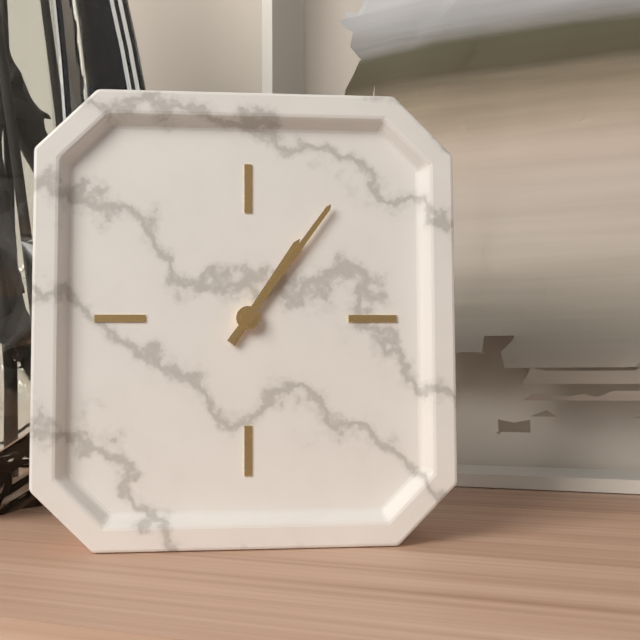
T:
1:06
